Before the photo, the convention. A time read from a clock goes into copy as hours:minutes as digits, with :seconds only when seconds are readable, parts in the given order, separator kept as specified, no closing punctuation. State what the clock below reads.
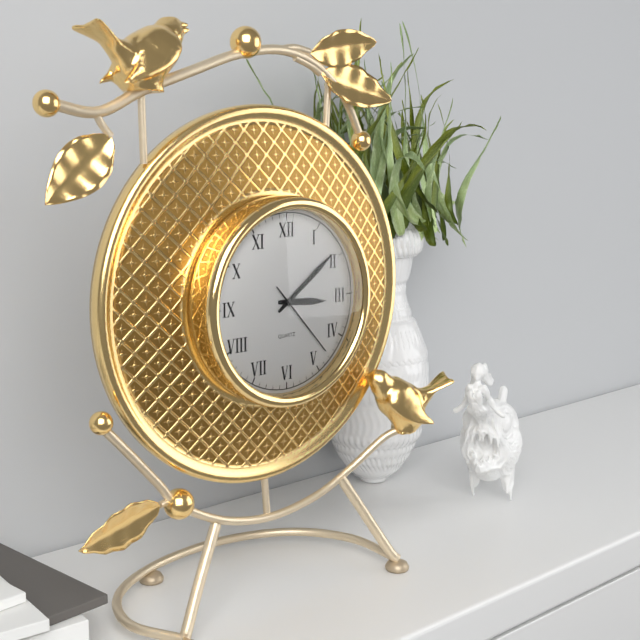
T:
3:09:23
